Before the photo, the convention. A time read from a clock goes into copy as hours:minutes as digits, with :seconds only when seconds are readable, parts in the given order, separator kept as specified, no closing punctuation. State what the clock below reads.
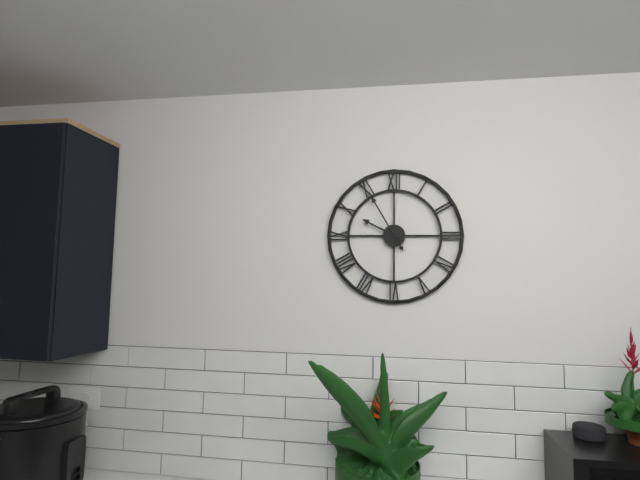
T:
9:55
